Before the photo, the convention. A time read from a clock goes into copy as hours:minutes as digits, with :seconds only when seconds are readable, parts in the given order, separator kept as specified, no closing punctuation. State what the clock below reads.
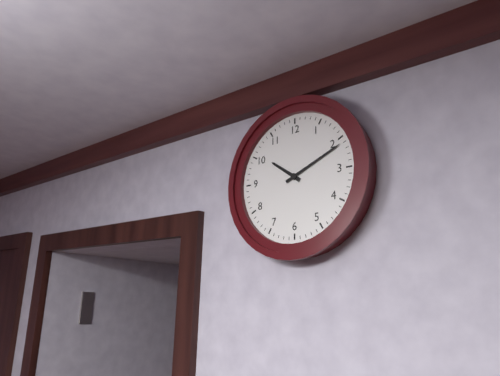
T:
10:11
